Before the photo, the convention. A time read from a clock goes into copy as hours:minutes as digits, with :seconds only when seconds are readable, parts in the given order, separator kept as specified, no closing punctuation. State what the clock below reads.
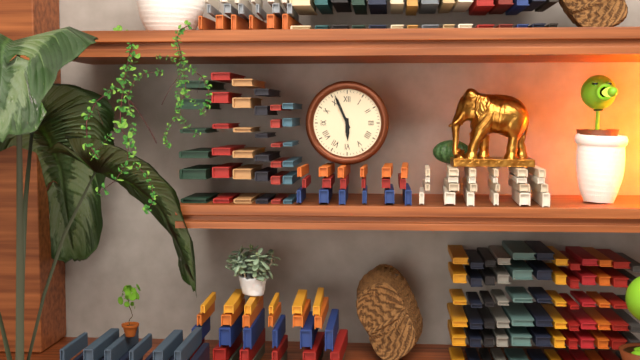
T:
5:56
